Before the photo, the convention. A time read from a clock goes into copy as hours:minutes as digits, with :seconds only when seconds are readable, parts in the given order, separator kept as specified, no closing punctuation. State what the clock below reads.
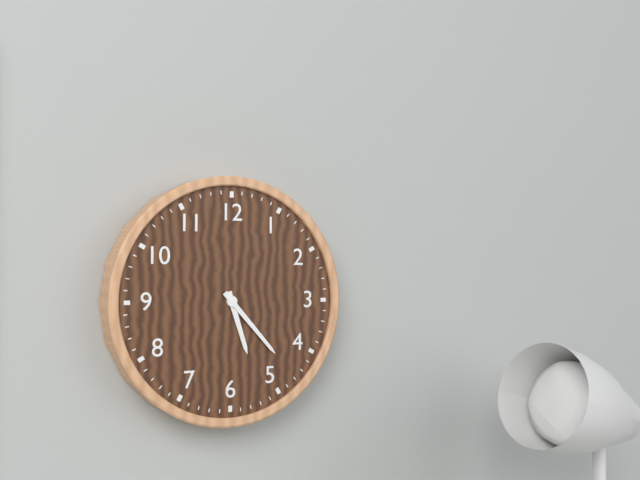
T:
5:23
